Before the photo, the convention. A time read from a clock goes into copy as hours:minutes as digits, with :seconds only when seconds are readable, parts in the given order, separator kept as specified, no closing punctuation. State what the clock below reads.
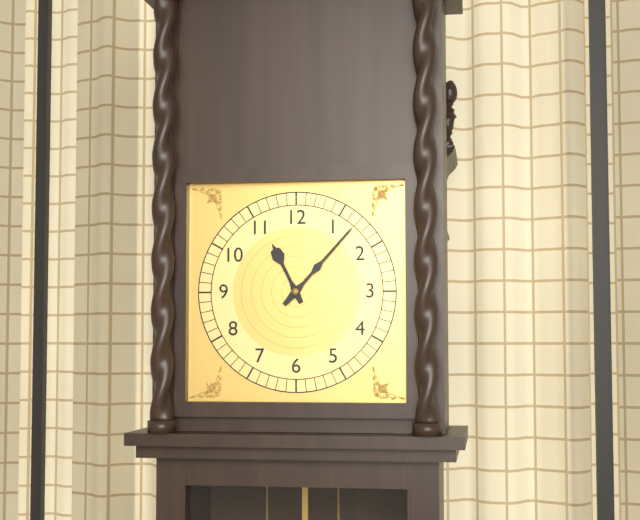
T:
11:07
